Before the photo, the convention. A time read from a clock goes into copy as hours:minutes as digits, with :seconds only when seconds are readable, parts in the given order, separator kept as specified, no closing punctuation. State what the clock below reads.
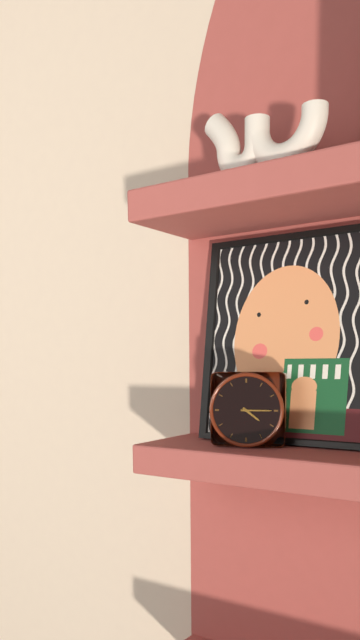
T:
4:15
